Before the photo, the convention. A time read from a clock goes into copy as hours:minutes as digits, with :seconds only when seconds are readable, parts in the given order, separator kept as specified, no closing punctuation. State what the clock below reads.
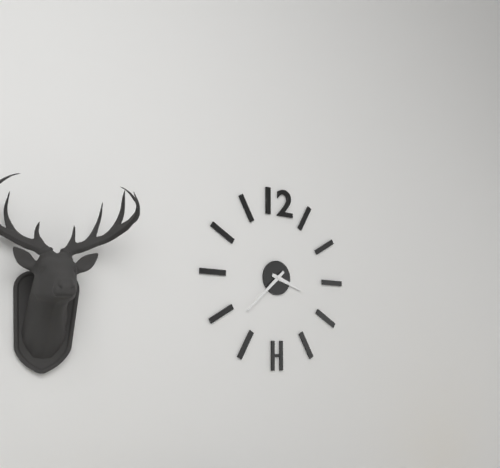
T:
3:38
